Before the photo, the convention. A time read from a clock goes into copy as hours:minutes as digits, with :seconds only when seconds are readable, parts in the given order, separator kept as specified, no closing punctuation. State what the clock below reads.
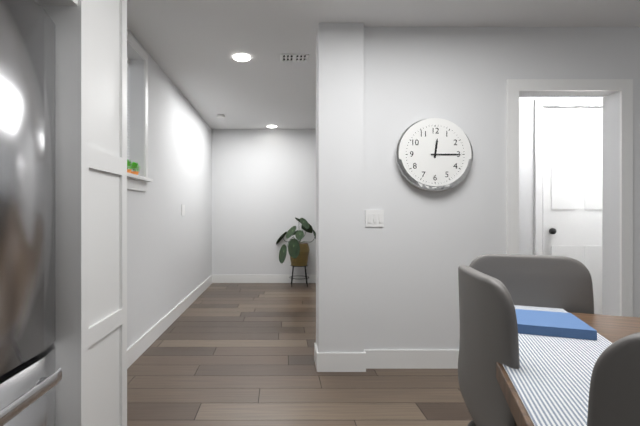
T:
12:15
